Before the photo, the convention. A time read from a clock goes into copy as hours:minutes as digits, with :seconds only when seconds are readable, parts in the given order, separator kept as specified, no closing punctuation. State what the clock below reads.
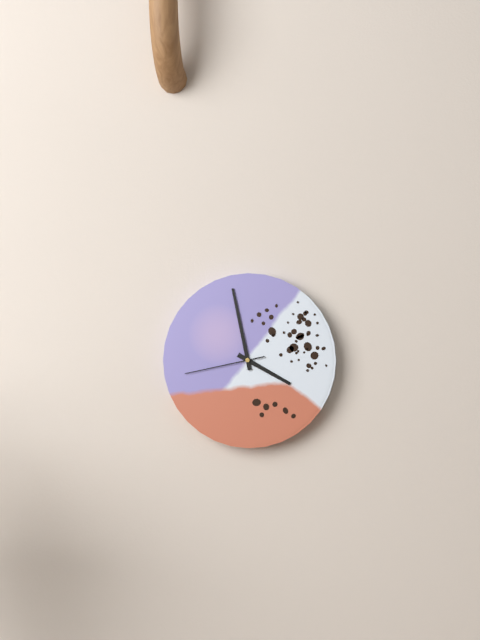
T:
3:58:43
